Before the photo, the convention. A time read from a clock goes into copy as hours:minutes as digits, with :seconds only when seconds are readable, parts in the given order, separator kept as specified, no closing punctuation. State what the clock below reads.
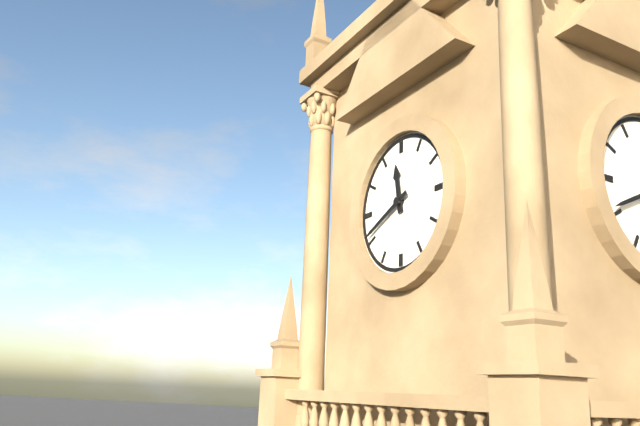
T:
11:41
